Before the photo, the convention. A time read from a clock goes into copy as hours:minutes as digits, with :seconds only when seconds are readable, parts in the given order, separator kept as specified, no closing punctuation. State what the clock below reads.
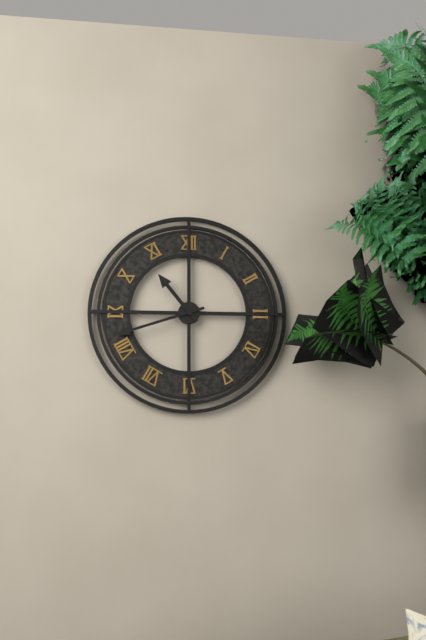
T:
10:42
